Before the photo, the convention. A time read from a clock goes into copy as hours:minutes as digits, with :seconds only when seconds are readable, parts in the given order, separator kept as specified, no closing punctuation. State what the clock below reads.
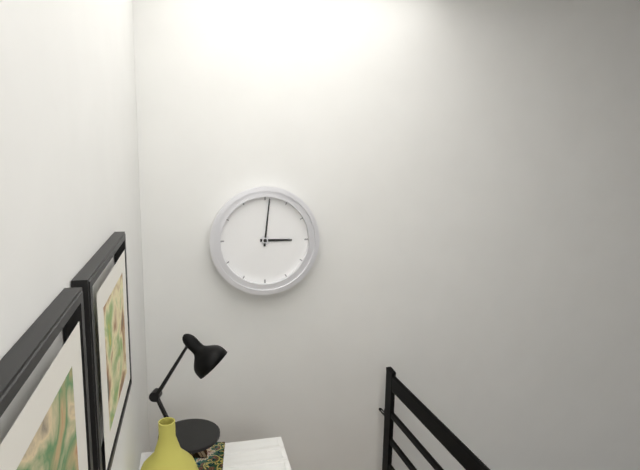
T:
3:01
